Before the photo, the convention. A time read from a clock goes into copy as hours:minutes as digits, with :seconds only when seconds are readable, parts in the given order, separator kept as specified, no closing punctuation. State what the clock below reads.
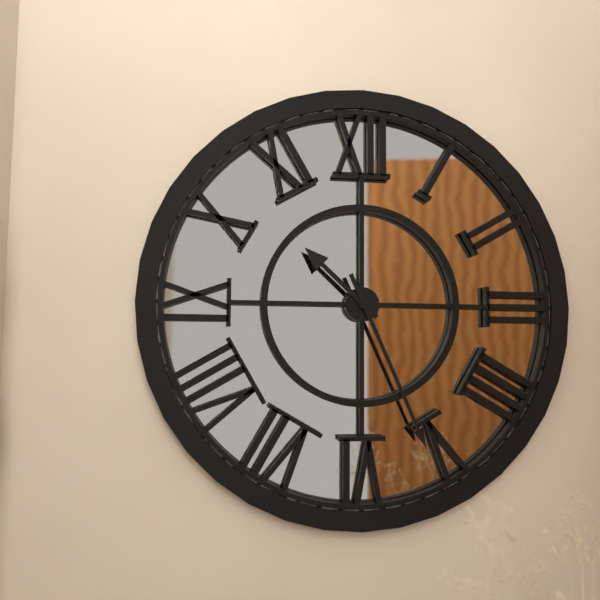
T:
10:26
